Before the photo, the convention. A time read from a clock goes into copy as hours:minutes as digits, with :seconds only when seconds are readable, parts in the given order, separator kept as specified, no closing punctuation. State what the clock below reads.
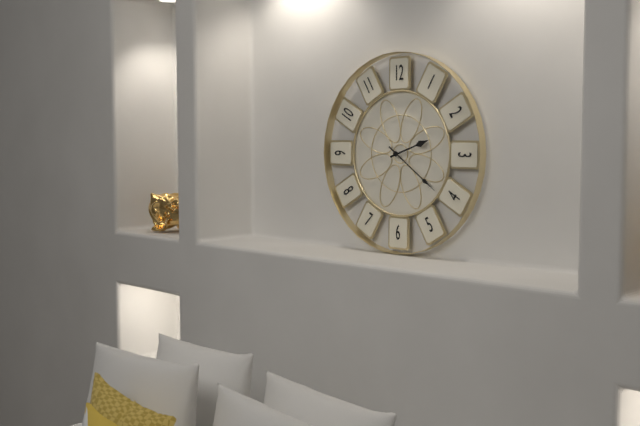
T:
2:21
